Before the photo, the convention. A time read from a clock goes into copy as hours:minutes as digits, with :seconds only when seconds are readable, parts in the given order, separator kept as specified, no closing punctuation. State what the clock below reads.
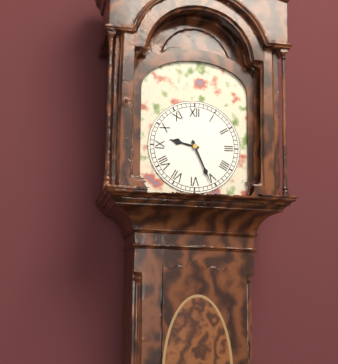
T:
9:26
